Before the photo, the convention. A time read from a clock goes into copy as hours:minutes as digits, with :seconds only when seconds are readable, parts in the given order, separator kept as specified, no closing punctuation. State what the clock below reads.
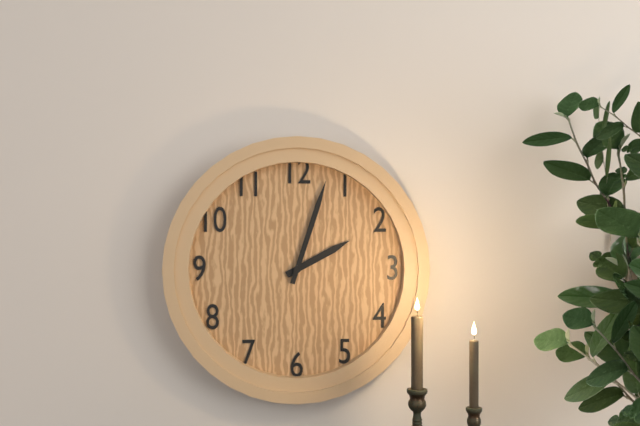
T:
2:03
